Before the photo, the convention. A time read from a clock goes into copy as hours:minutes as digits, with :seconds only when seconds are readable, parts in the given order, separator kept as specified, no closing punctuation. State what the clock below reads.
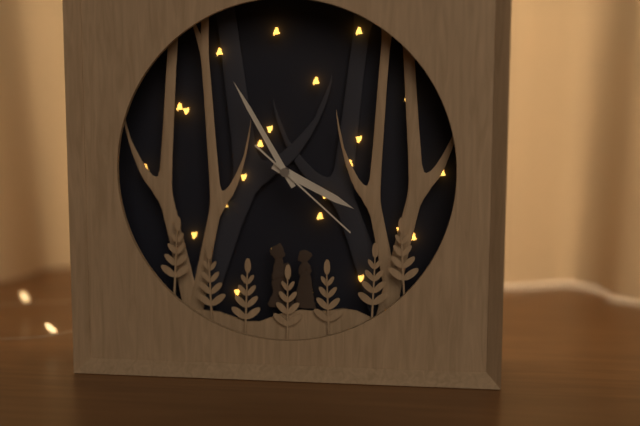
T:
3:55:22
